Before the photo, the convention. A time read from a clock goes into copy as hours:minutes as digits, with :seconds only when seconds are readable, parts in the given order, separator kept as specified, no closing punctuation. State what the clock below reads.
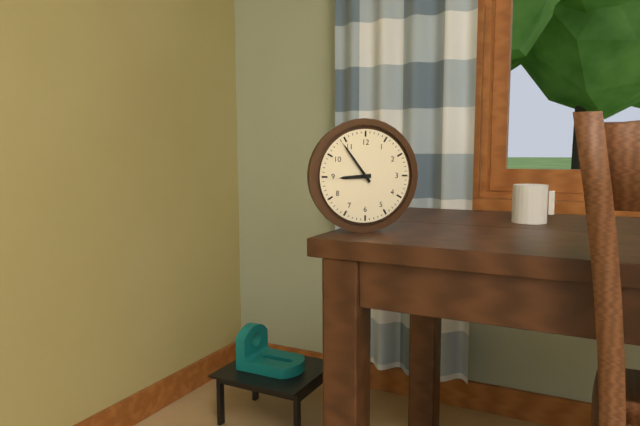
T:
8:54
